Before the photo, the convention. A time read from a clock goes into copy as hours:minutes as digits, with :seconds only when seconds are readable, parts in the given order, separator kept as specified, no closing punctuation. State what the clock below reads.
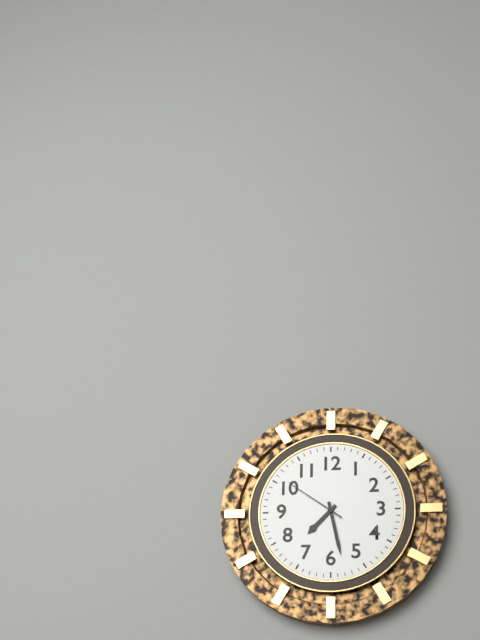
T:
7:28:51
